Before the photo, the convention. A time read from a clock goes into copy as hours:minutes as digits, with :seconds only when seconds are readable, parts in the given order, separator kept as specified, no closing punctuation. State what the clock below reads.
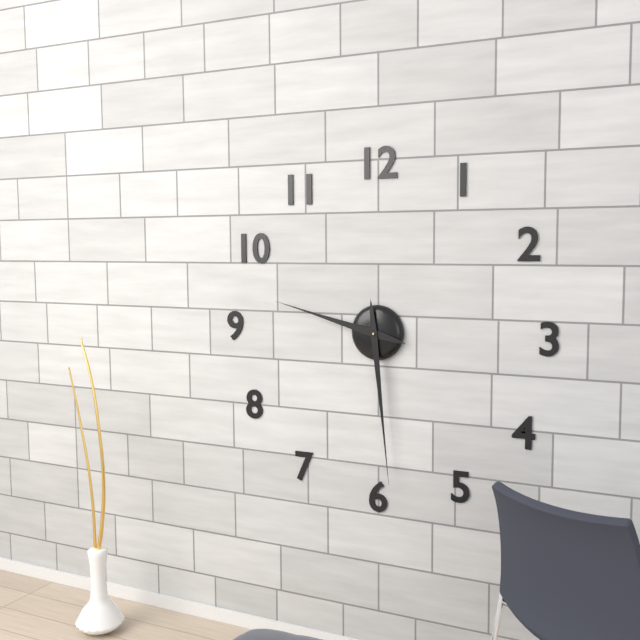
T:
9:29
